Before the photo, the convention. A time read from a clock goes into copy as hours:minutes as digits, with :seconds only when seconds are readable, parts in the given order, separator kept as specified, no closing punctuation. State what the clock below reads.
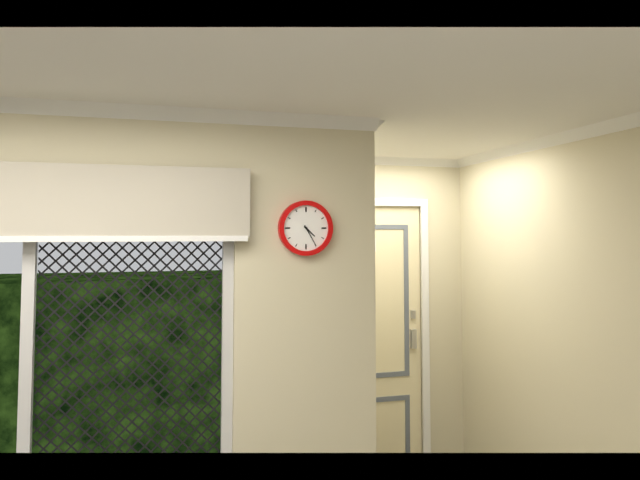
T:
4:25
